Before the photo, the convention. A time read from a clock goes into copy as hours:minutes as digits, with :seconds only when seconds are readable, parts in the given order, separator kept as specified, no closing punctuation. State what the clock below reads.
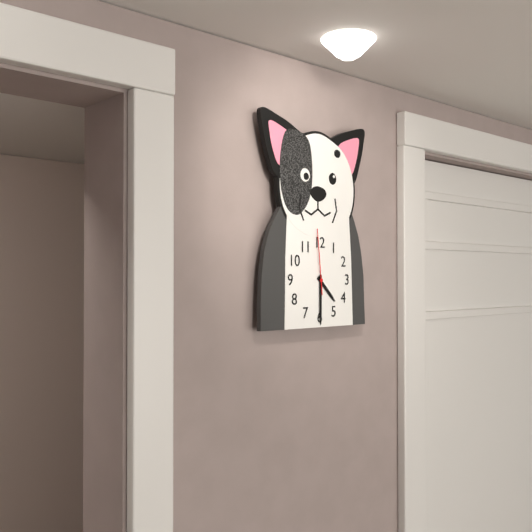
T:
4:30:59
